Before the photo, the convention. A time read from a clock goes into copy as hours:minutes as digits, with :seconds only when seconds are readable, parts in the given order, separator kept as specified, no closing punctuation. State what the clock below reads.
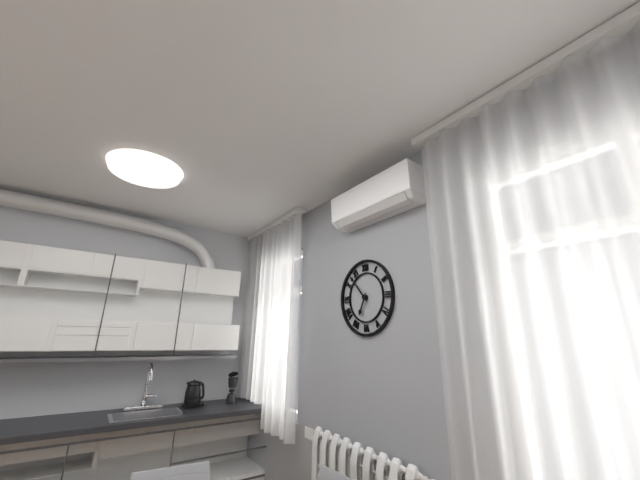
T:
6:53
